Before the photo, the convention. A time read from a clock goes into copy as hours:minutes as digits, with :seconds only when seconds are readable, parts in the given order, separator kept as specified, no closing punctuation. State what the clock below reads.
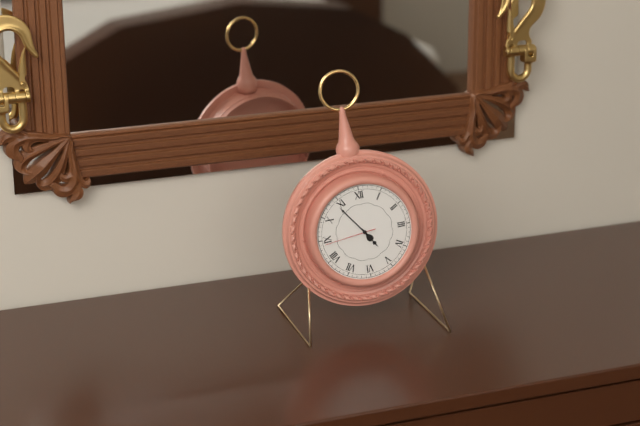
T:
4:54
